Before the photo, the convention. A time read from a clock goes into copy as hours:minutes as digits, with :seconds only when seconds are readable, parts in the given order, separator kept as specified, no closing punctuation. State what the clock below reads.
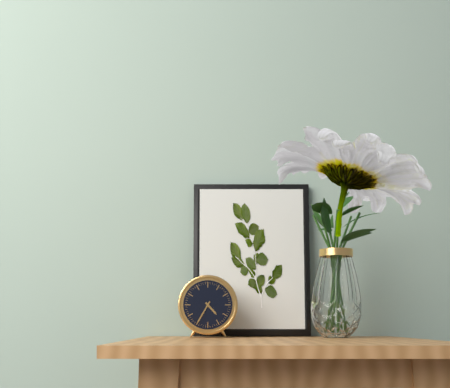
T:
4:35
